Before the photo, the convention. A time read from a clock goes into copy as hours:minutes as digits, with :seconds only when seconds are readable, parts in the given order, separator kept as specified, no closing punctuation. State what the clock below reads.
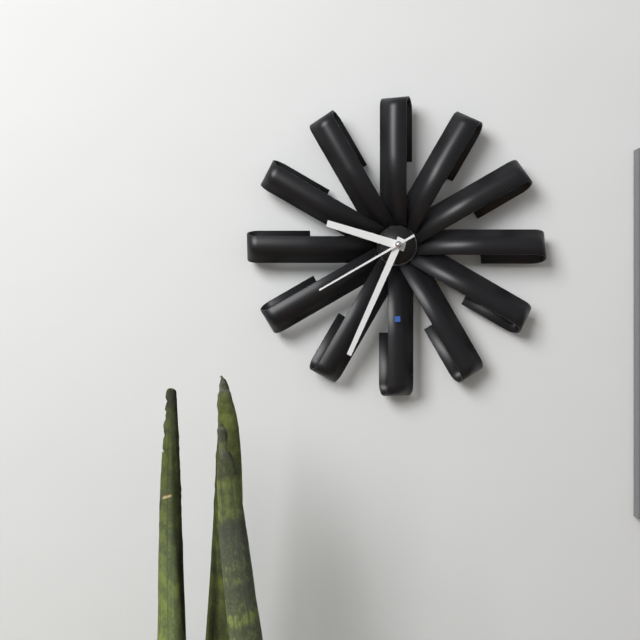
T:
9:34:40
